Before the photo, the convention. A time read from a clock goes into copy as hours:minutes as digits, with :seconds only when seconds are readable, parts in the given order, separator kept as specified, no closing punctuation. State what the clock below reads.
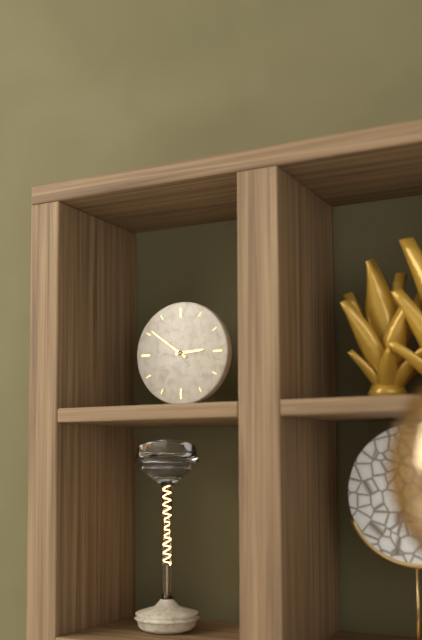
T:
2:51
